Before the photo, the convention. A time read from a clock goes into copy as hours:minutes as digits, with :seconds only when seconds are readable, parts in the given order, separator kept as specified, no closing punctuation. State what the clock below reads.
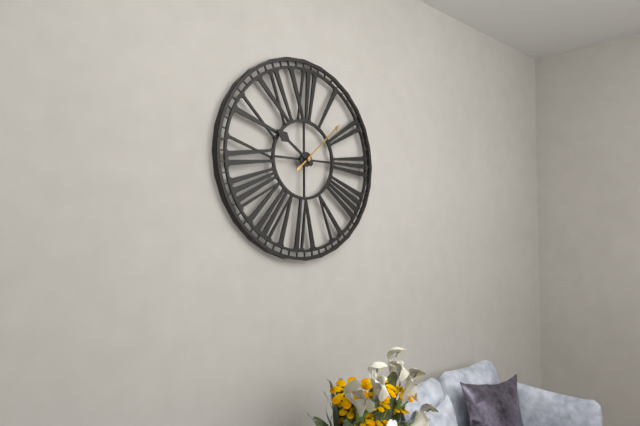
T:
10:08
